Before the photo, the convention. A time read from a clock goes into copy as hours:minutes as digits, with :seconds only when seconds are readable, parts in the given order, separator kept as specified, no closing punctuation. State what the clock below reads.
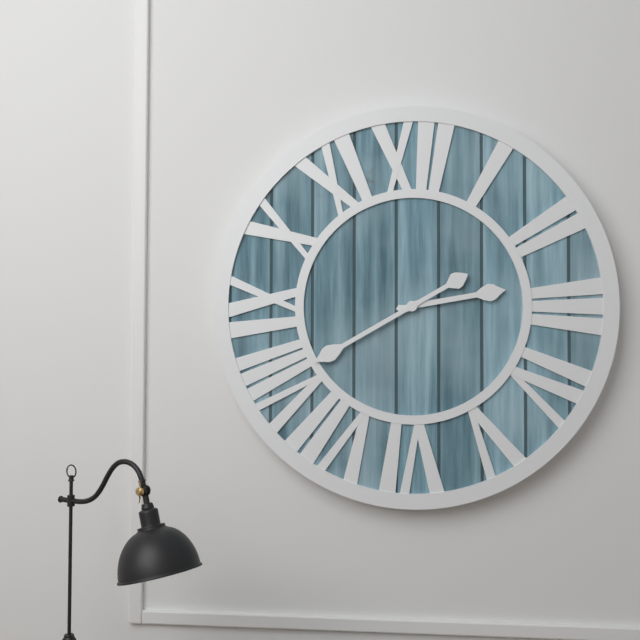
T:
2:40
